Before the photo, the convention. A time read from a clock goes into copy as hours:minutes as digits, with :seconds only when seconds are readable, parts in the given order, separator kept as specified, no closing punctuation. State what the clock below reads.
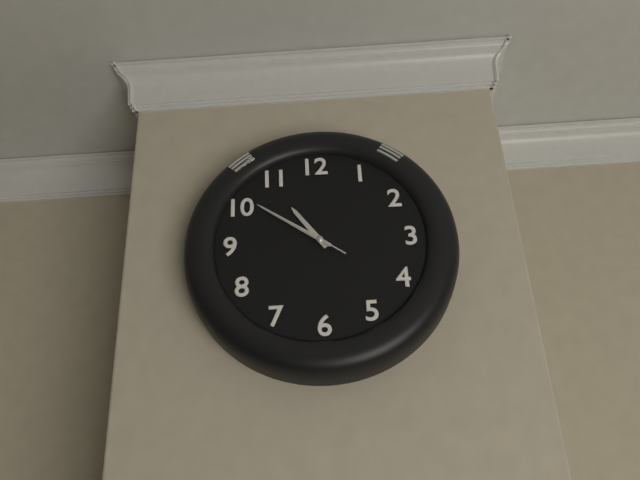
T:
10:51:51
